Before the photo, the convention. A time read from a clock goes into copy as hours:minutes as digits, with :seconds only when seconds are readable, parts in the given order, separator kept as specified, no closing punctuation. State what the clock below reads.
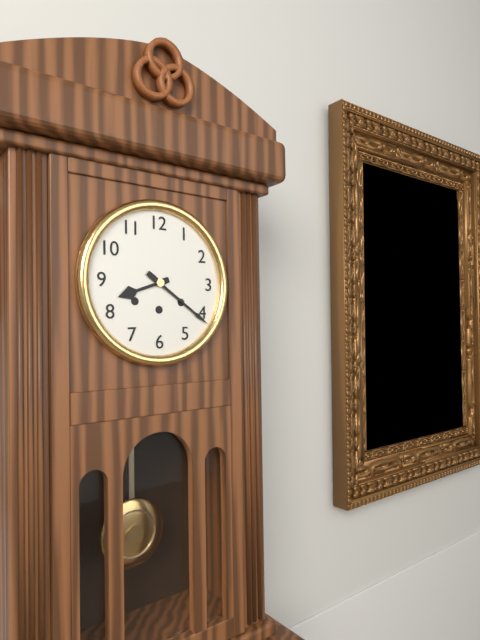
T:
8:21
